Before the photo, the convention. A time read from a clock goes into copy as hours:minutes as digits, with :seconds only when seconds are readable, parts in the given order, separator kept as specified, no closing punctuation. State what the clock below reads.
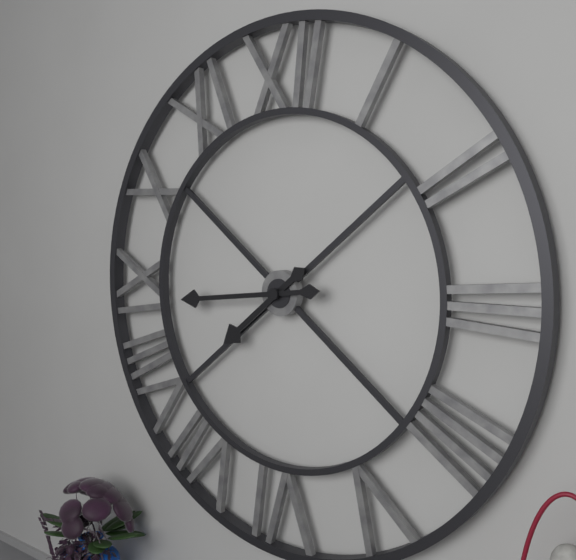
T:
7:44
